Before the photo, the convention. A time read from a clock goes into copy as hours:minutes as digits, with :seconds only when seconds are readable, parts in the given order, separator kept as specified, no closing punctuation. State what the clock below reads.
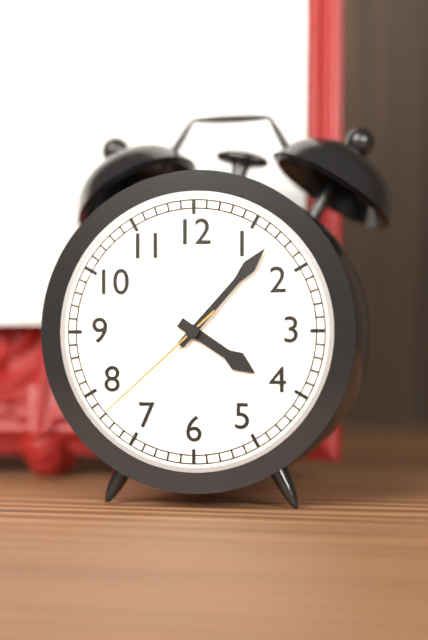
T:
4:07:38
